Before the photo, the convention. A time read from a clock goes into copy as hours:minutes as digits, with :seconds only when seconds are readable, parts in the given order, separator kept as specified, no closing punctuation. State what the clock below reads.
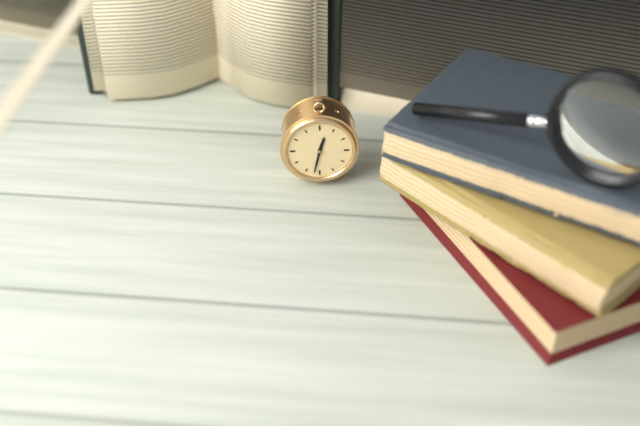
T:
12:32
